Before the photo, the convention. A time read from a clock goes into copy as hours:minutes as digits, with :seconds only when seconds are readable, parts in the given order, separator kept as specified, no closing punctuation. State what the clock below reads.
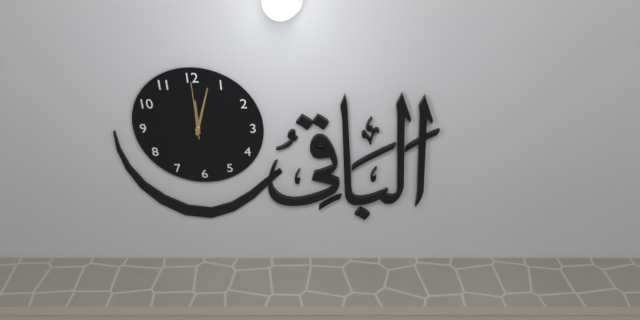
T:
12:03:00
